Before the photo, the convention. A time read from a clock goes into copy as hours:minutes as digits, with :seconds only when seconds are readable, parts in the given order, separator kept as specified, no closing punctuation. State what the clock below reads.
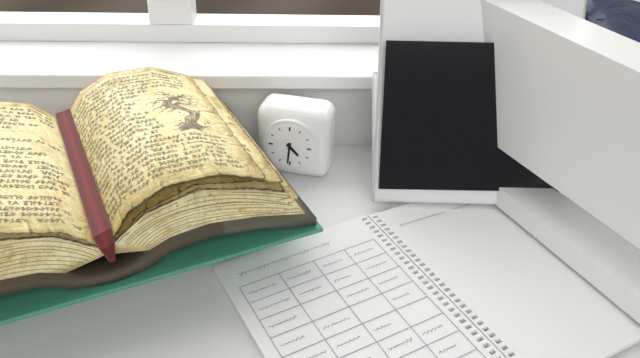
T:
4:31
